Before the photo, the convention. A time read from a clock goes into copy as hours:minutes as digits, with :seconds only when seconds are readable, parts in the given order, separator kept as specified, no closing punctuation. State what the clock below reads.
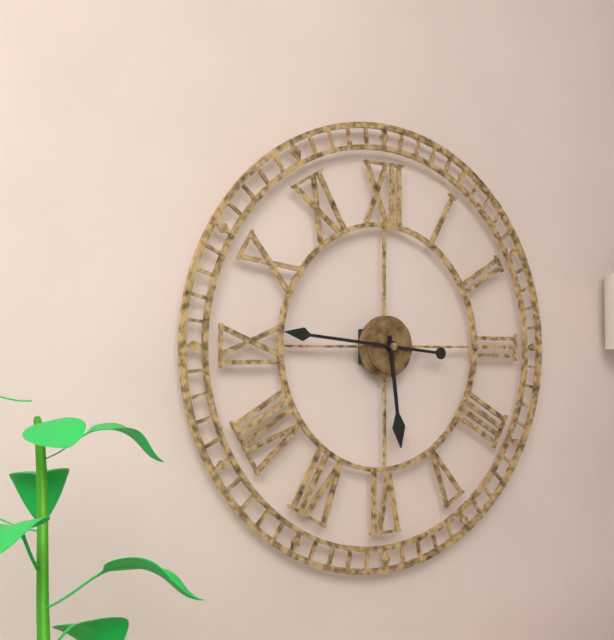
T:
5:46
